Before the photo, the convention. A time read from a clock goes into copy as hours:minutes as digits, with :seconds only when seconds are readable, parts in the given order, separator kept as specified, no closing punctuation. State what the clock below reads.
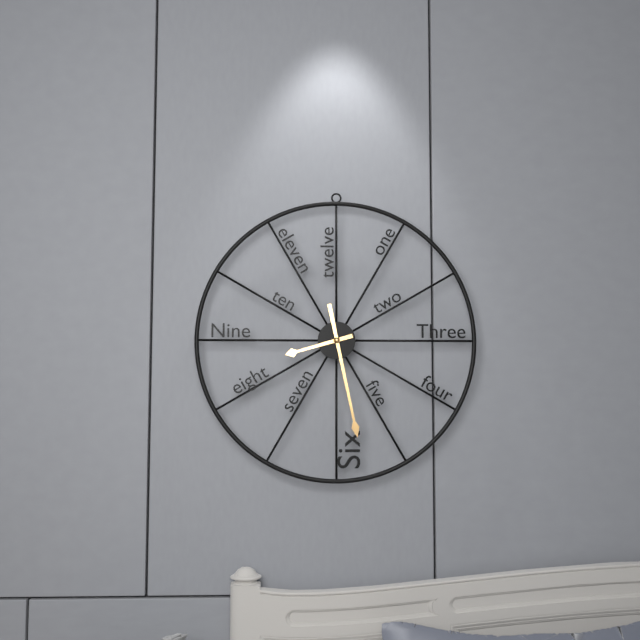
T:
8:28
